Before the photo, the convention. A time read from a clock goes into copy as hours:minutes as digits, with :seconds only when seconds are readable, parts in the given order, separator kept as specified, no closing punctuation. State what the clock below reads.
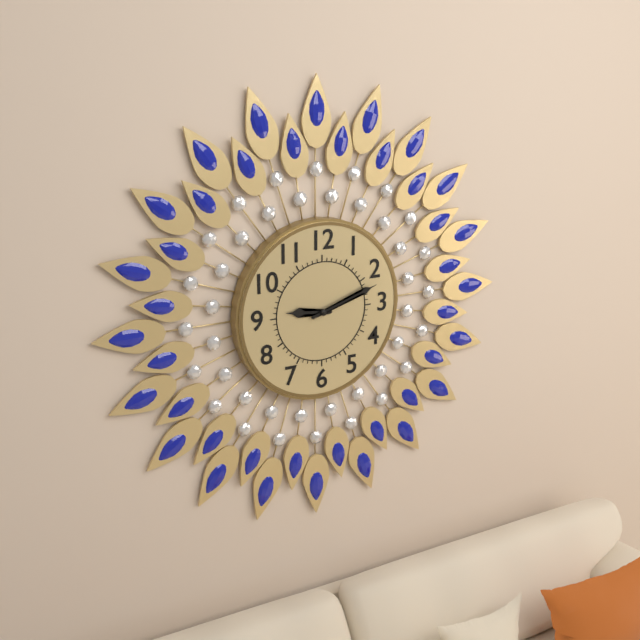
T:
9:12
